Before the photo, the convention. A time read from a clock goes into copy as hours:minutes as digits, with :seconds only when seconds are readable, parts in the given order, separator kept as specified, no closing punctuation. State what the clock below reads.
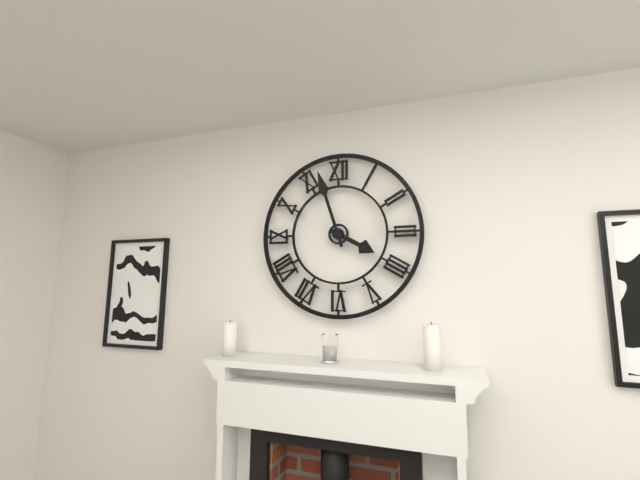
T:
3:57
